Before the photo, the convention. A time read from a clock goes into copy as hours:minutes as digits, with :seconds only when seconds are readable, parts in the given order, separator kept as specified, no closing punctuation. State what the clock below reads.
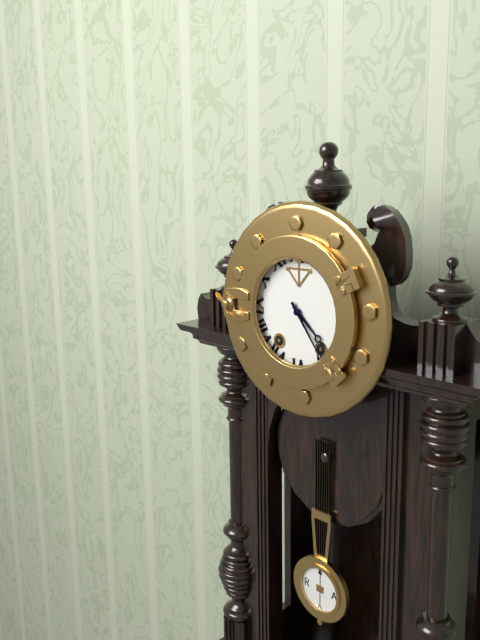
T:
4:24
